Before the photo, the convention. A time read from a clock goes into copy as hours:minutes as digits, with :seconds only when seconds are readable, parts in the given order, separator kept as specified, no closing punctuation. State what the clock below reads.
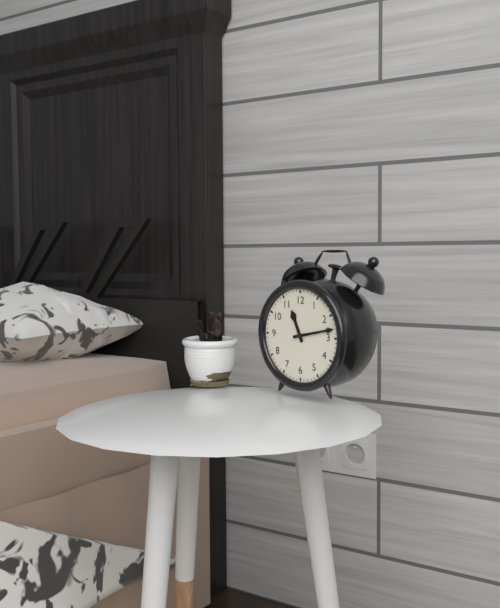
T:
11:13
